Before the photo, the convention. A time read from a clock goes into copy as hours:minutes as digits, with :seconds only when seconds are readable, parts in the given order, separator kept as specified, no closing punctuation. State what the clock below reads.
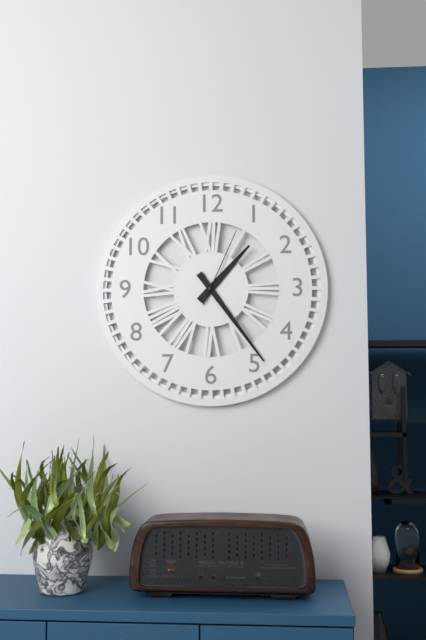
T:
1:24:04
